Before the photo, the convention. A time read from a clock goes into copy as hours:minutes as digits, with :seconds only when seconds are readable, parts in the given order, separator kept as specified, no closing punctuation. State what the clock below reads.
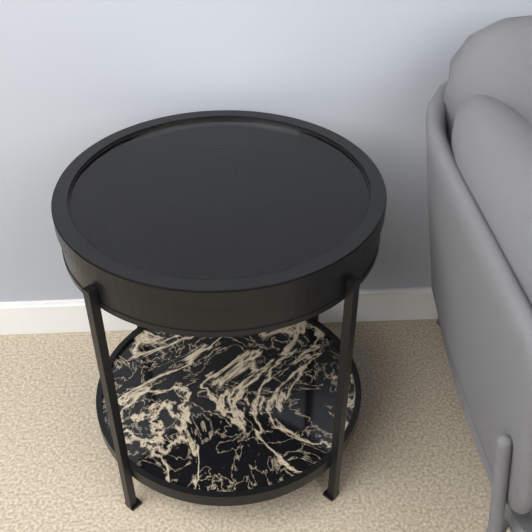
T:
4:49
